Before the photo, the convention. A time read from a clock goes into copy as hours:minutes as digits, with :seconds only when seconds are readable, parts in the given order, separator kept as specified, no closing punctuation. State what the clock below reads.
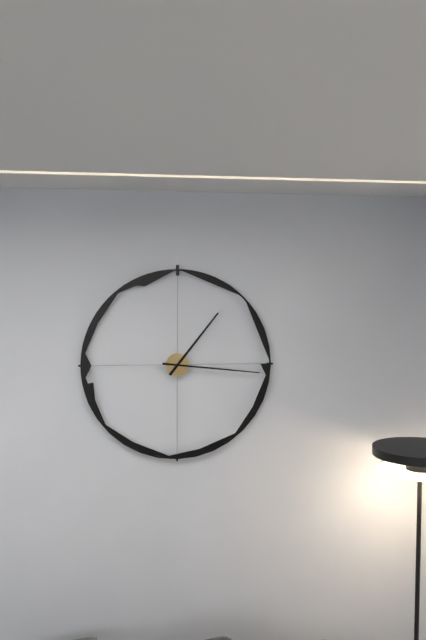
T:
1:16
